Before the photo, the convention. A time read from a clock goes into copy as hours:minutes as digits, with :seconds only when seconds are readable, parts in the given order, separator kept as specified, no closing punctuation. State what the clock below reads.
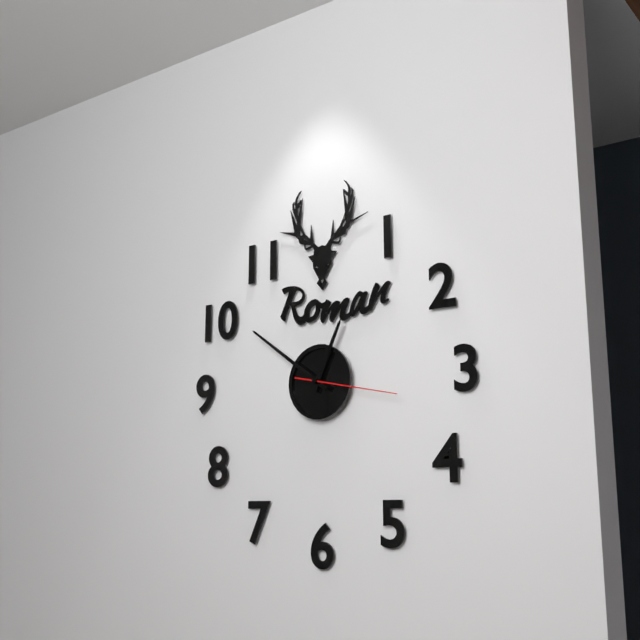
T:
12:51:17
